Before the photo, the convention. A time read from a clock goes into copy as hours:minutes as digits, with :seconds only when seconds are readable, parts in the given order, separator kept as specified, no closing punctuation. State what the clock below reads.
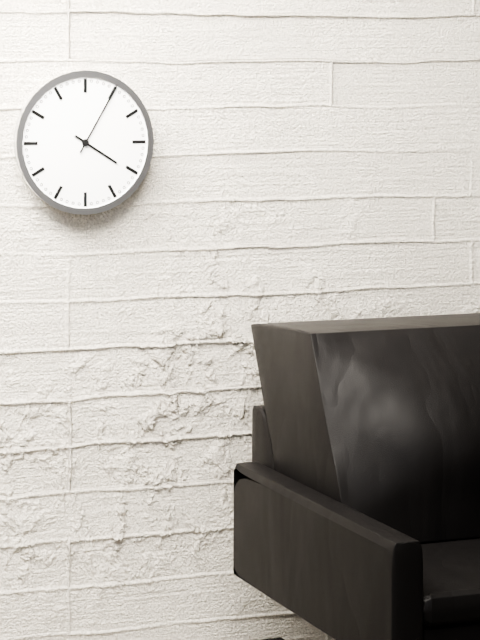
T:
4:05
